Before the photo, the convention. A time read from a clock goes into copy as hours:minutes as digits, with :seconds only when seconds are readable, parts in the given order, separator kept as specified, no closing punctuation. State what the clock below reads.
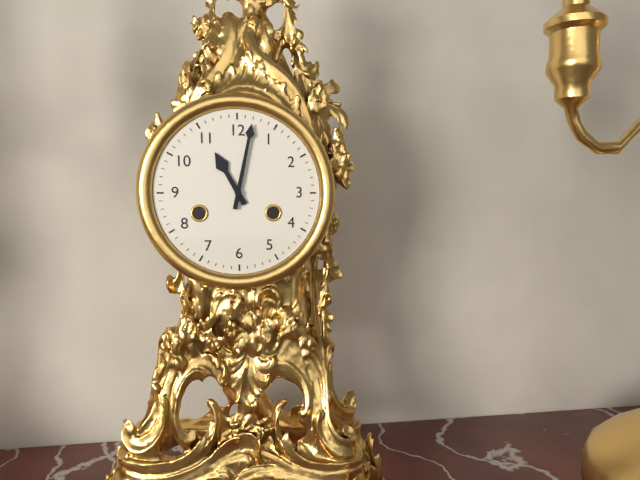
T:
11:02
